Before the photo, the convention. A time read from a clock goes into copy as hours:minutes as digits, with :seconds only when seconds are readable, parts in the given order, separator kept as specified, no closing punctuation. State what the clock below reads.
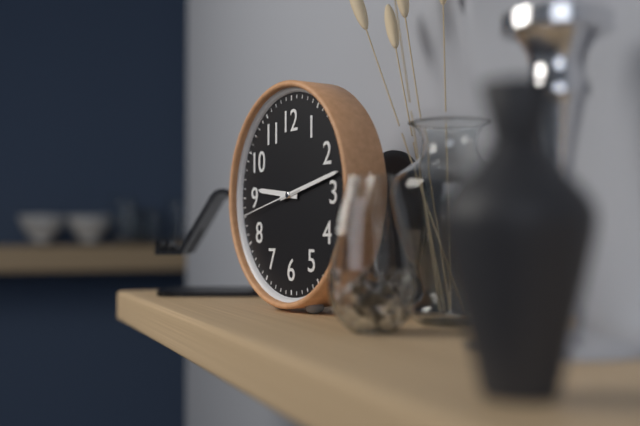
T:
9:13:43
